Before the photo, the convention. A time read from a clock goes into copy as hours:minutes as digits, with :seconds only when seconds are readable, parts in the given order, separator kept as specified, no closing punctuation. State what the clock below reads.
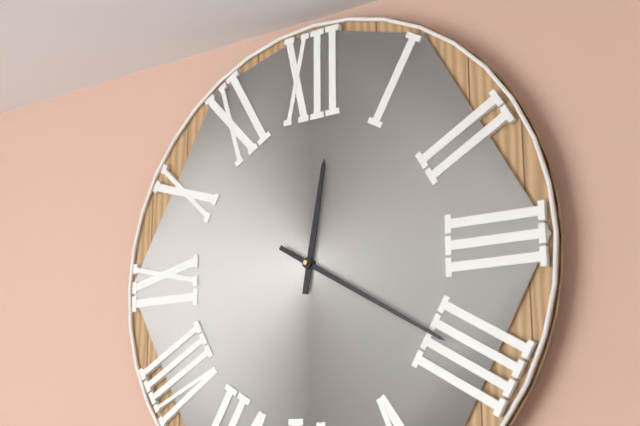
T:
12:20
